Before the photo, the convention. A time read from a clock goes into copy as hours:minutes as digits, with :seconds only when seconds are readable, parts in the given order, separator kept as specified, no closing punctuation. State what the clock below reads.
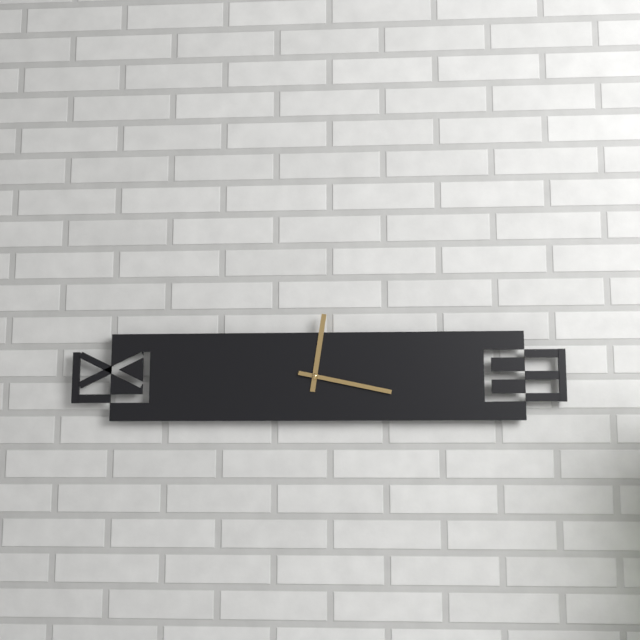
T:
12:17
